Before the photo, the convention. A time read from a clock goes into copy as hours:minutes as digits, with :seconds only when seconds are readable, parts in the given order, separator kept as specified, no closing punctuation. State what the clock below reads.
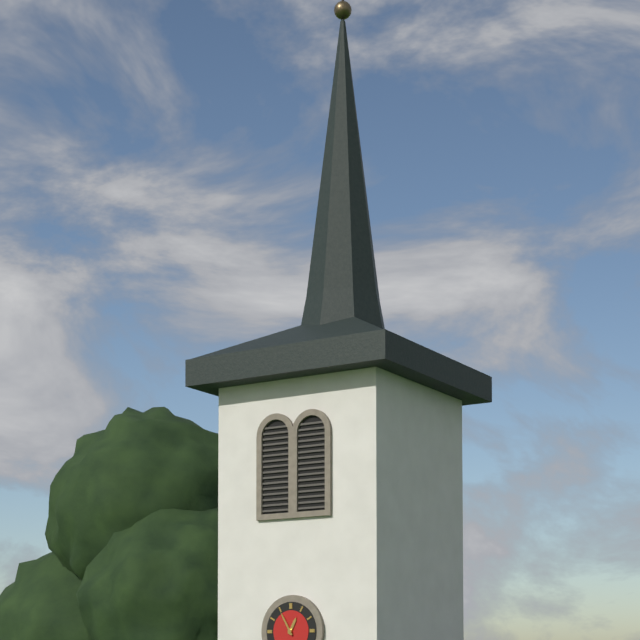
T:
12:55
